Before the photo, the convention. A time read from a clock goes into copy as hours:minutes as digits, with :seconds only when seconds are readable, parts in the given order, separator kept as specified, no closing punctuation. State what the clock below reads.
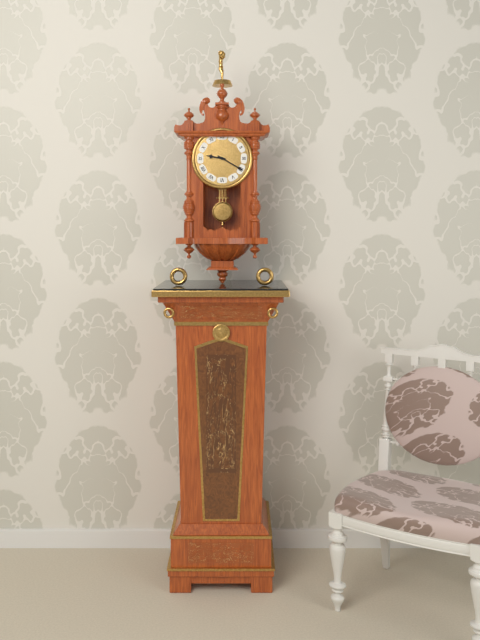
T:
9:20
